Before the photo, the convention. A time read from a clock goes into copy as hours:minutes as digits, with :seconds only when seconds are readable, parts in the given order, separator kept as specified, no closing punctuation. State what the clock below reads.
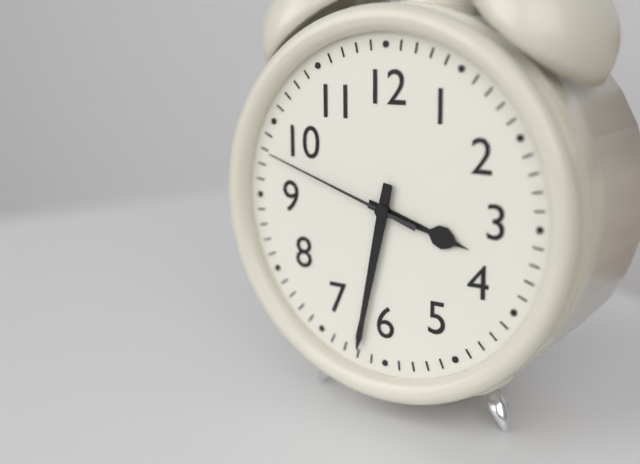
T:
3:32:48
